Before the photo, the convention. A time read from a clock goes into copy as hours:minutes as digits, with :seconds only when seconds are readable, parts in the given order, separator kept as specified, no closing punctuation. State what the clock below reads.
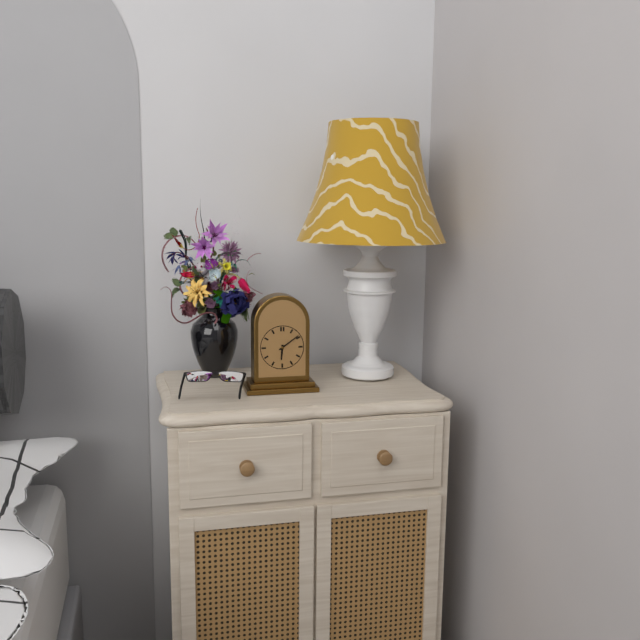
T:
6:09
